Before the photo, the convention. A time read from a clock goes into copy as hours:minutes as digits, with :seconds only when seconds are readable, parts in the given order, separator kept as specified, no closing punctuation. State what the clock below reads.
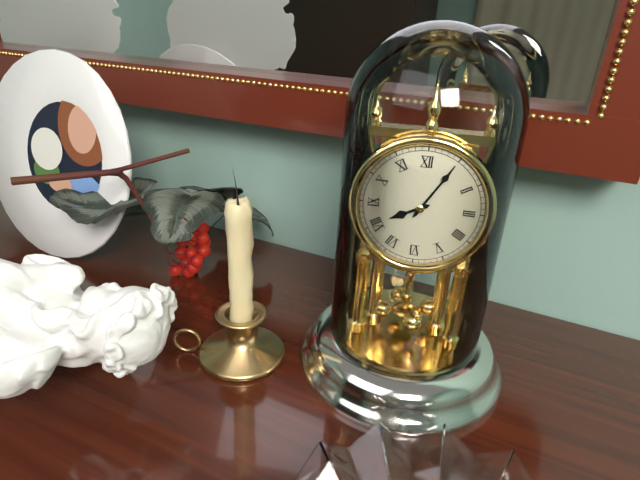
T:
8:05
